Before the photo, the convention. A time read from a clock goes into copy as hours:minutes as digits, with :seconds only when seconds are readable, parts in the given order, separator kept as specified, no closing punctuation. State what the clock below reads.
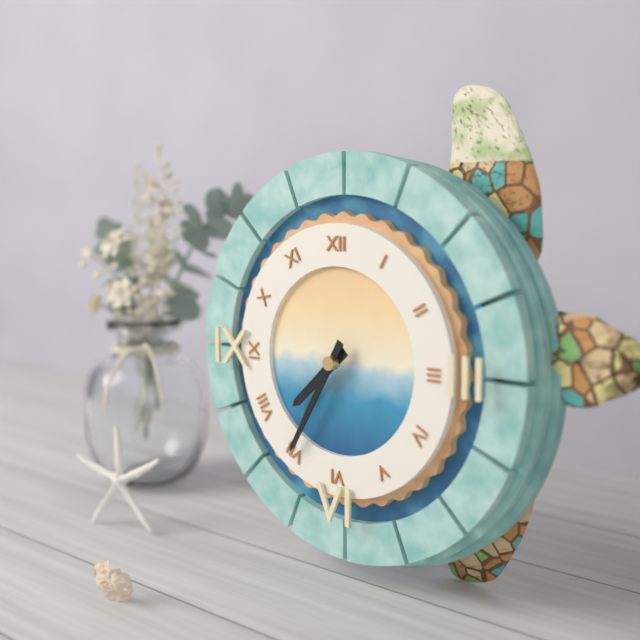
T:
7:35
